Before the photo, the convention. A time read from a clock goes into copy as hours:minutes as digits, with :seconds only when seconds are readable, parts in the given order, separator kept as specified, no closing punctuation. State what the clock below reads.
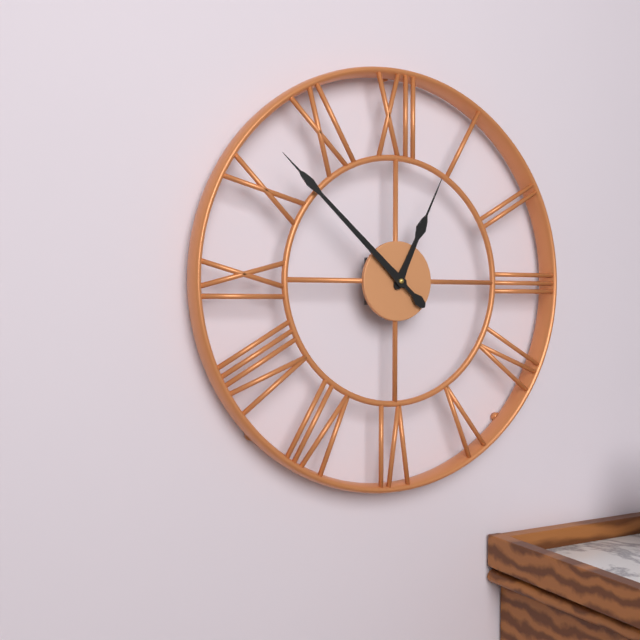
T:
12:52
